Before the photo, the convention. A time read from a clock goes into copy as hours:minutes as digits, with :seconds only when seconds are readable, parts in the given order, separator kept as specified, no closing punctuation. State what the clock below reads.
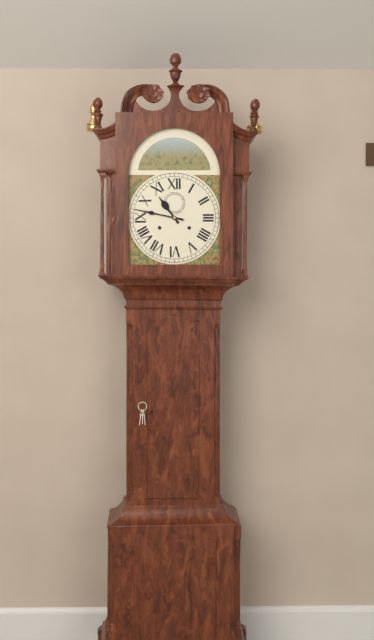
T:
10:47
